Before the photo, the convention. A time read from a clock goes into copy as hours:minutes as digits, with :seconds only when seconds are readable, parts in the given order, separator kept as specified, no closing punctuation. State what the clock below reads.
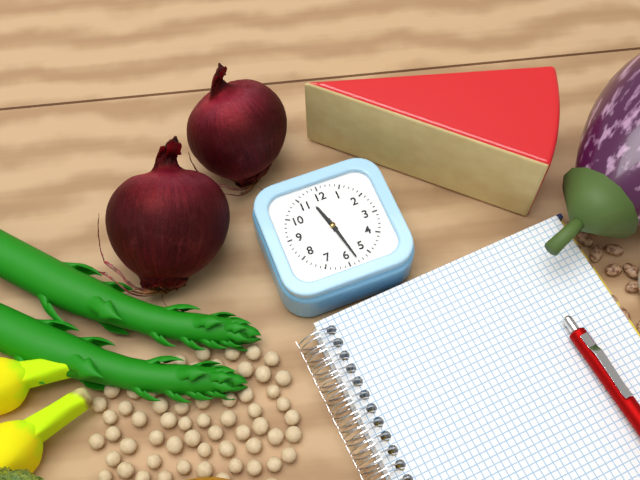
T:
11:28
